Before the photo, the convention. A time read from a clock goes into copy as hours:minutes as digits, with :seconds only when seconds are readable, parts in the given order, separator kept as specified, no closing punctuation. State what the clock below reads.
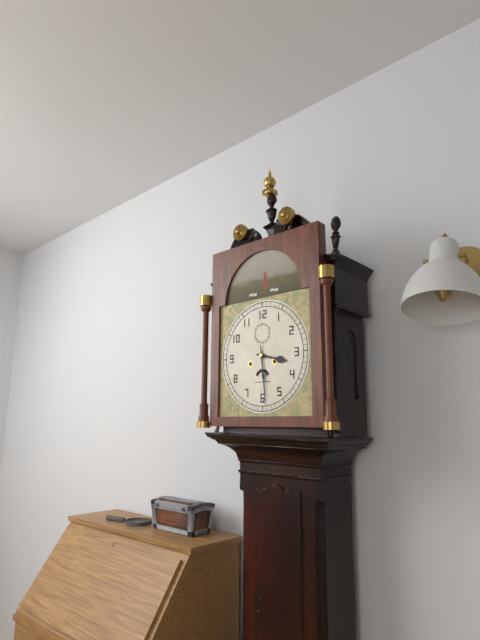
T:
3:29
